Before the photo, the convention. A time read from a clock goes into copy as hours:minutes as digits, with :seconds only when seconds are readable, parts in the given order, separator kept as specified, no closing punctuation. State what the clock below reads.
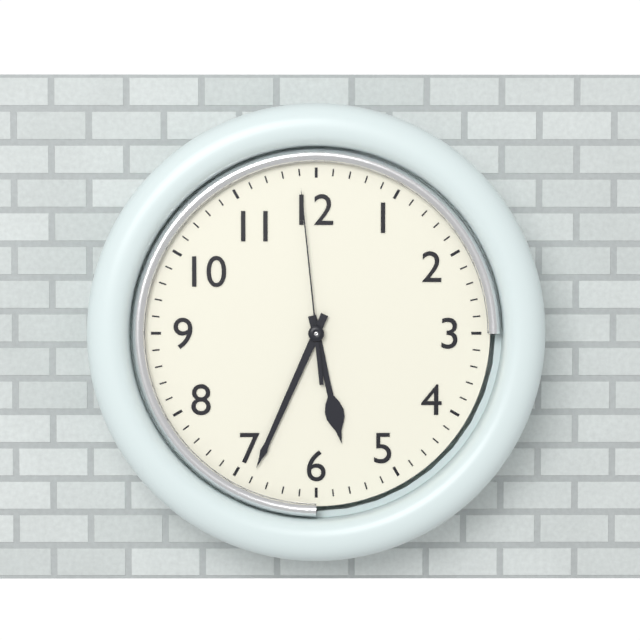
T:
5:34:59
